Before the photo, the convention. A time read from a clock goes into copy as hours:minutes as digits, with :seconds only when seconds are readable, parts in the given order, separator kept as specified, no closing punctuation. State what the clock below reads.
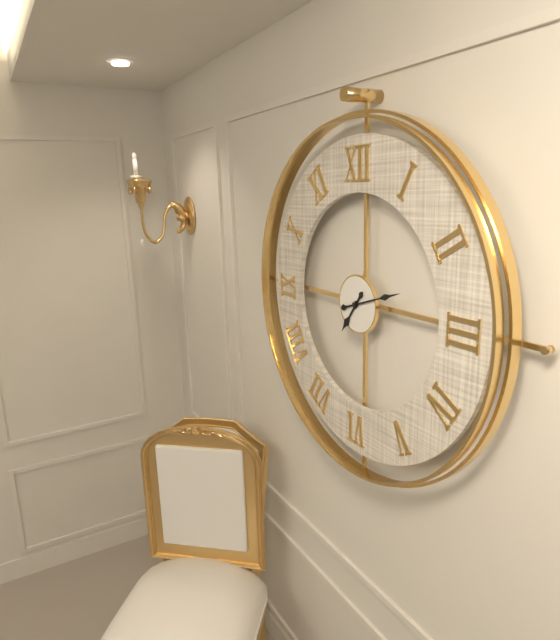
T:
7:12
